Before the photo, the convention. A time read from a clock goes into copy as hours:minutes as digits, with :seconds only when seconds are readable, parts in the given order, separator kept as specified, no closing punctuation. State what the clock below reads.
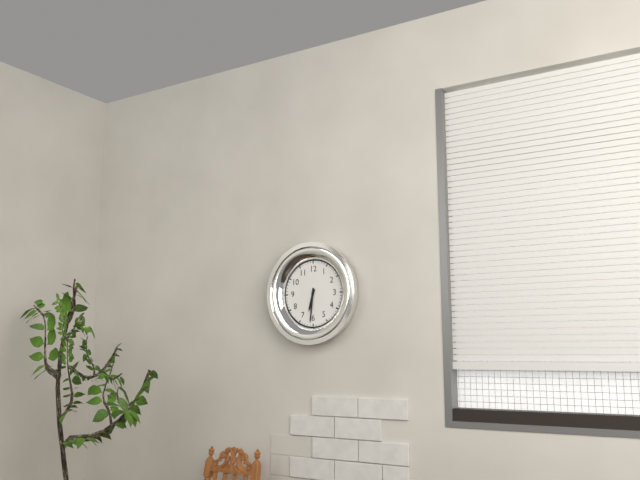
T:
6:31
